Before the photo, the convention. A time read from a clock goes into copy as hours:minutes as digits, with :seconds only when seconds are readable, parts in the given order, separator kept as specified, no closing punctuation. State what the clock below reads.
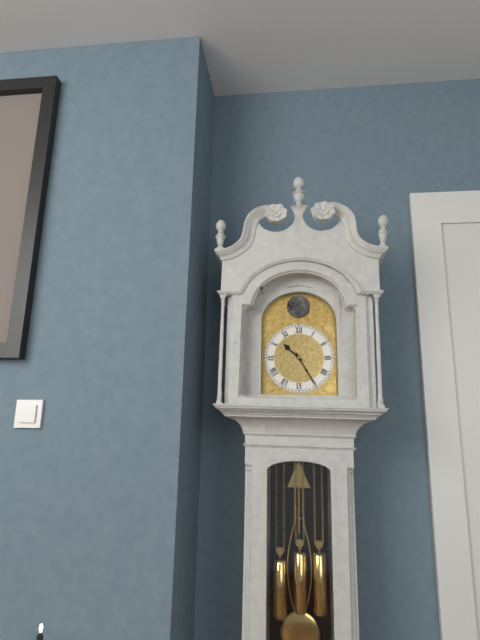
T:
10:25
